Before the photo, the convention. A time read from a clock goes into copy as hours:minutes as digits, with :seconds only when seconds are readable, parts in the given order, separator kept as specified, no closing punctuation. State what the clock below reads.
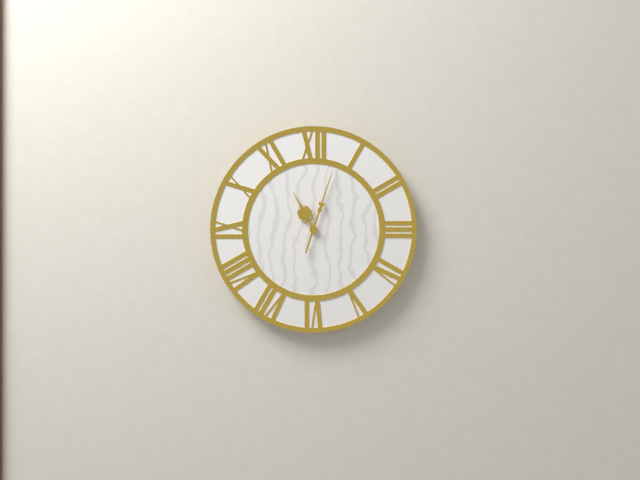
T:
11:03
